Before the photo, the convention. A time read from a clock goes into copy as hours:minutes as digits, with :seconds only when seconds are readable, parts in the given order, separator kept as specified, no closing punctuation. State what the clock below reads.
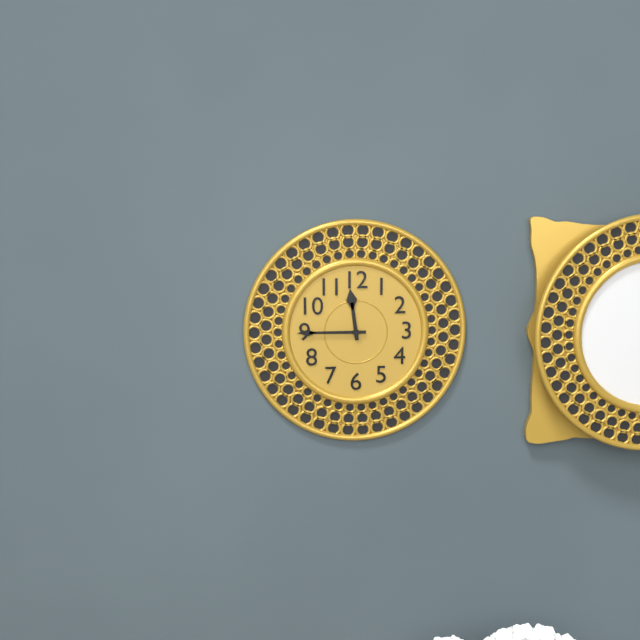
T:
11:45
